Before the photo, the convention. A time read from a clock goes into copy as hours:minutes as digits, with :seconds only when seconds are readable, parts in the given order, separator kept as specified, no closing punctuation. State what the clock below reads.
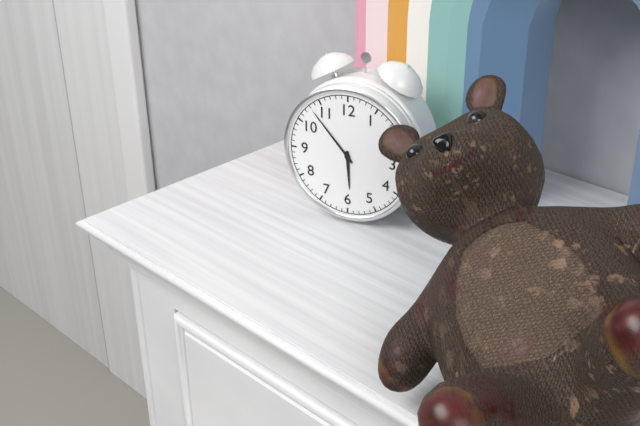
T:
5:53
